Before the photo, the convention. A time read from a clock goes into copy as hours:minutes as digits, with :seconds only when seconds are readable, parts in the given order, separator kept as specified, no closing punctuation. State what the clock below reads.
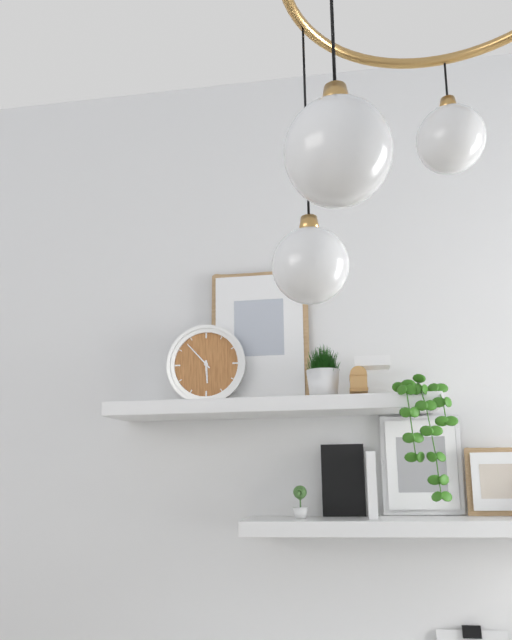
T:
5:53
